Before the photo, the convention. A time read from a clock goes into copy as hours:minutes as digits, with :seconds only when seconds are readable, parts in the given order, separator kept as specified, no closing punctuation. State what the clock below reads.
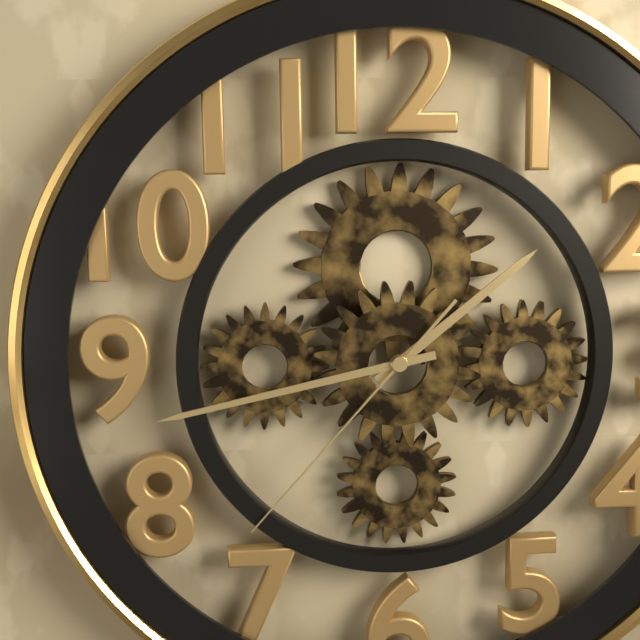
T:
1:43:37
